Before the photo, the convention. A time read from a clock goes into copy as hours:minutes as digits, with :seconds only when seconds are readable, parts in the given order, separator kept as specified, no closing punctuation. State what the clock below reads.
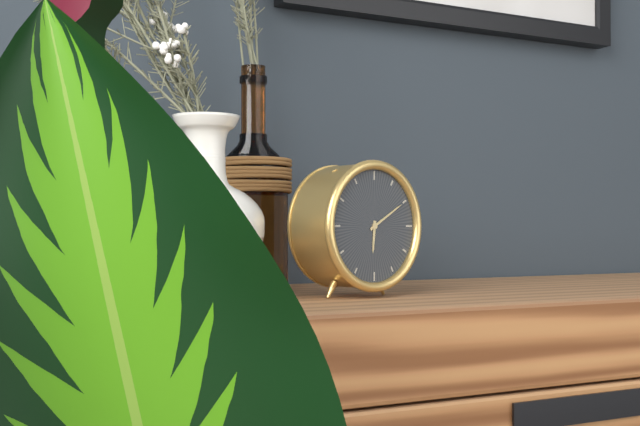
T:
6:10
